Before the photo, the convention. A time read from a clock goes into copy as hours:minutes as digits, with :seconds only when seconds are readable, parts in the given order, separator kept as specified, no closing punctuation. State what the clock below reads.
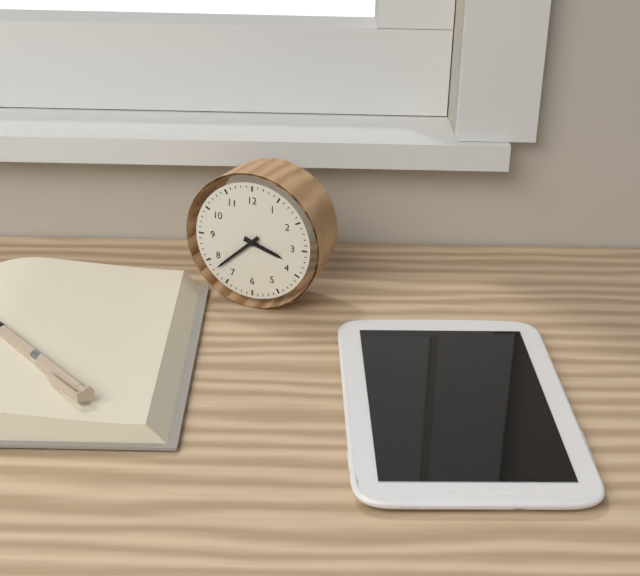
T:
3:38
